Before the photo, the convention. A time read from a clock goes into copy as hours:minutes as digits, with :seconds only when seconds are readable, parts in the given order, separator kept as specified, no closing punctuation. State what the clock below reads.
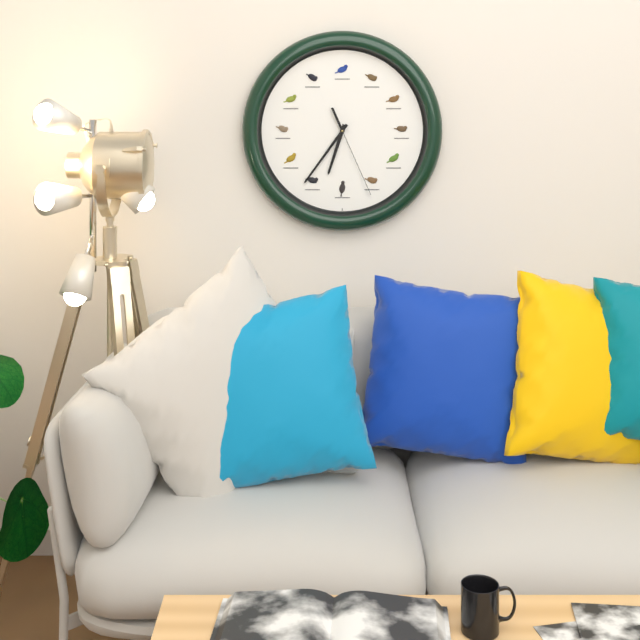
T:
6:36:26
